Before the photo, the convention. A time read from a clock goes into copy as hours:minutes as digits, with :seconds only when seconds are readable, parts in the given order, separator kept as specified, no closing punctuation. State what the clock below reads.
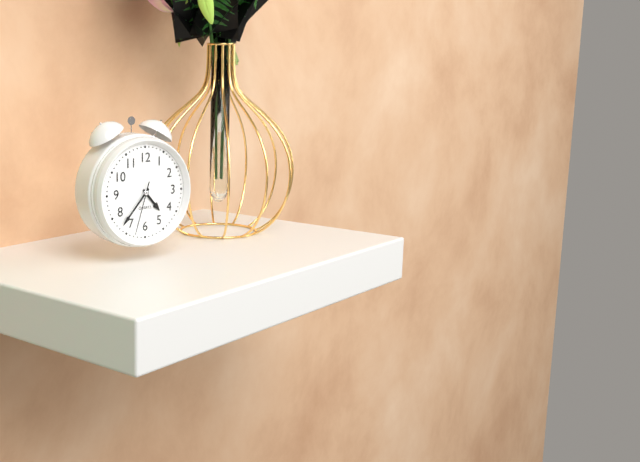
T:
4:37:33
